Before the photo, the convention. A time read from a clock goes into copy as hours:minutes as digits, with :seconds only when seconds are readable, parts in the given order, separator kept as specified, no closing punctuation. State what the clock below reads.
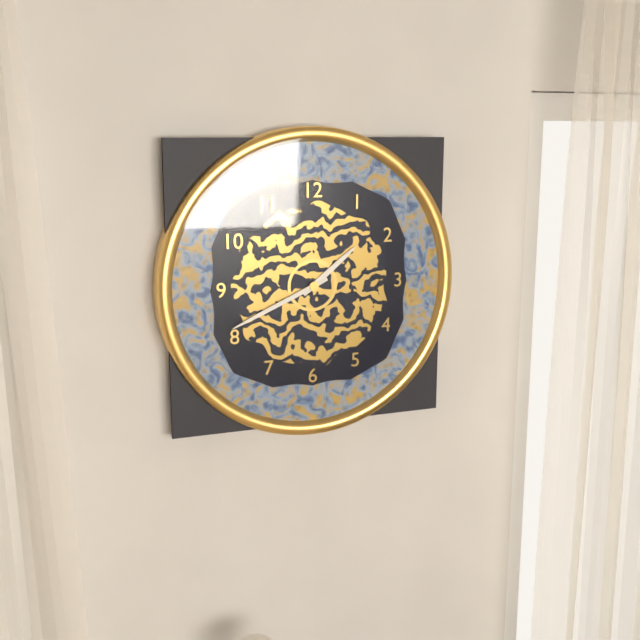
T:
1:41
